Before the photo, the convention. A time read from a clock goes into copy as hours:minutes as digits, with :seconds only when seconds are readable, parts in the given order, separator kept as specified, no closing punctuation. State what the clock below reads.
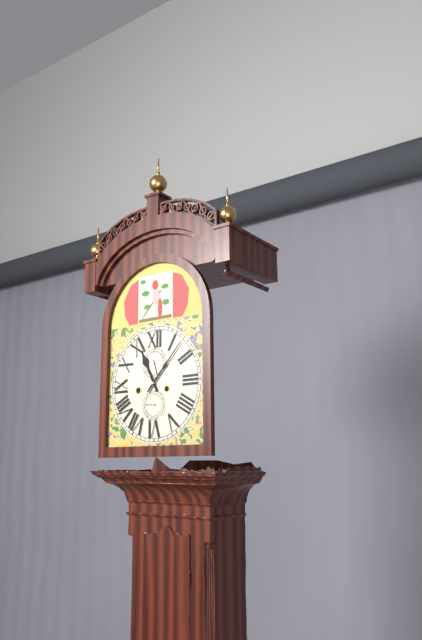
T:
11:07
